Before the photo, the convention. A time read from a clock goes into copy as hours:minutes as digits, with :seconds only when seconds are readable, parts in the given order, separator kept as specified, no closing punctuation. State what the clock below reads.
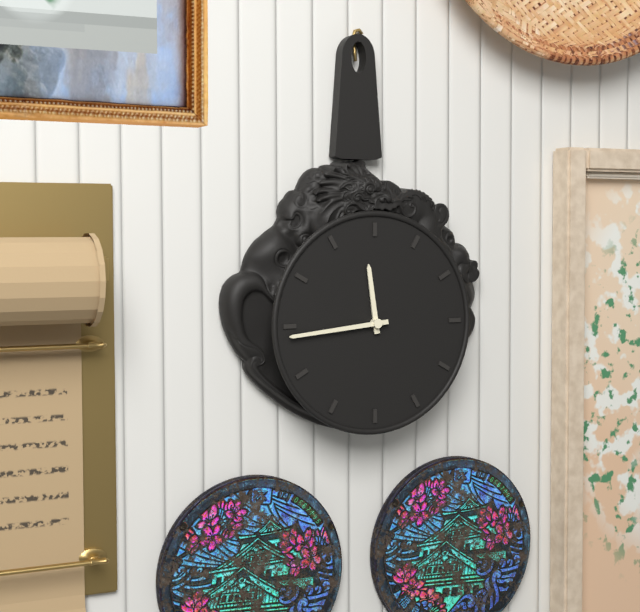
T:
11:44
